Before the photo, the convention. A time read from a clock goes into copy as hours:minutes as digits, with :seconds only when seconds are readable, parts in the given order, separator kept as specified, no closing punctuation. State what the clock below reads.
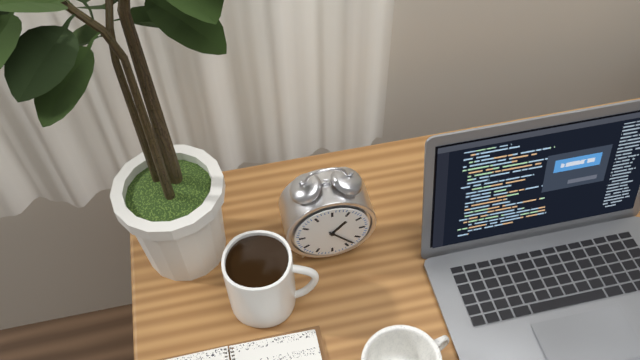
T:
1:23
